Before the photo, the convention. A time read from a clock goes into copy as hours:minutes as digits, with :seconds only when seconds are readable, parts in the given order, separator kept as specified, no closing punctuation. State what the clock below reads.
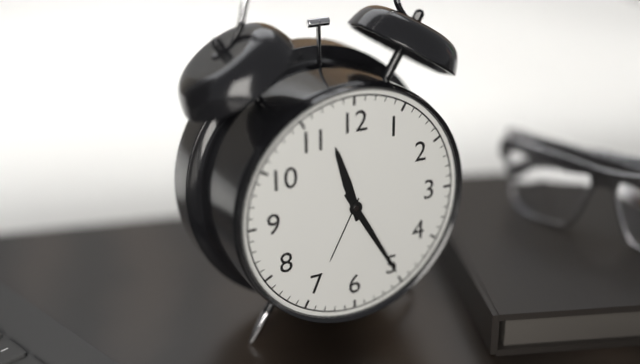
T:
11:25
